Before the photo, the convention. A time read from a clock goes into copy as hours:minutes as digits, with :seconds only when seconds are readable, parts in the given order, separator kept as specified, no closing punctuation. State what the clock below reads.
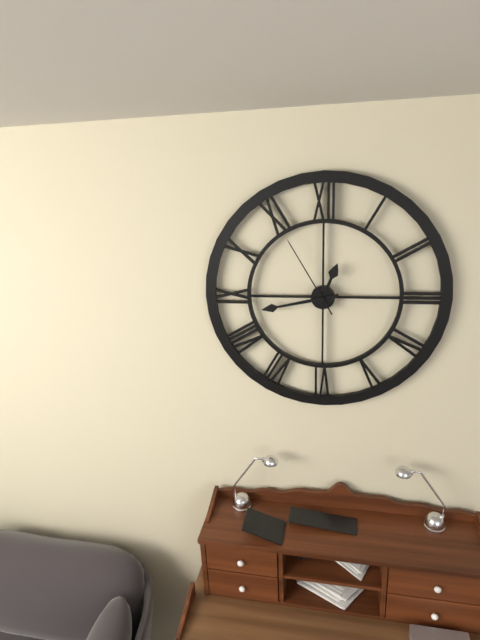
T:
12:43:55
